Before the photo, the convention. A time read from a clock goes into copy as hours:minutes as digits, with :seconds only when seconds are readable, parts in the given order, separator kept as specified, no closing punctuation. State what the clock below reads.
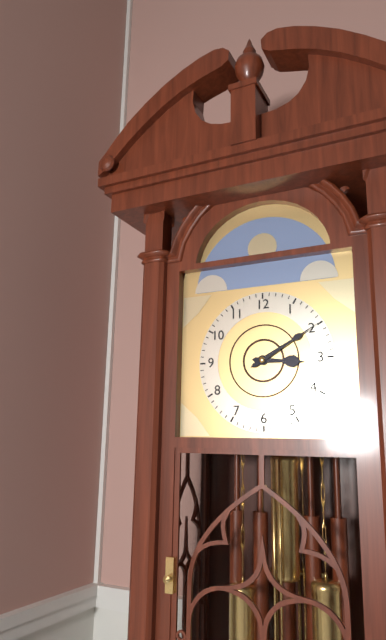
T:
3:10
